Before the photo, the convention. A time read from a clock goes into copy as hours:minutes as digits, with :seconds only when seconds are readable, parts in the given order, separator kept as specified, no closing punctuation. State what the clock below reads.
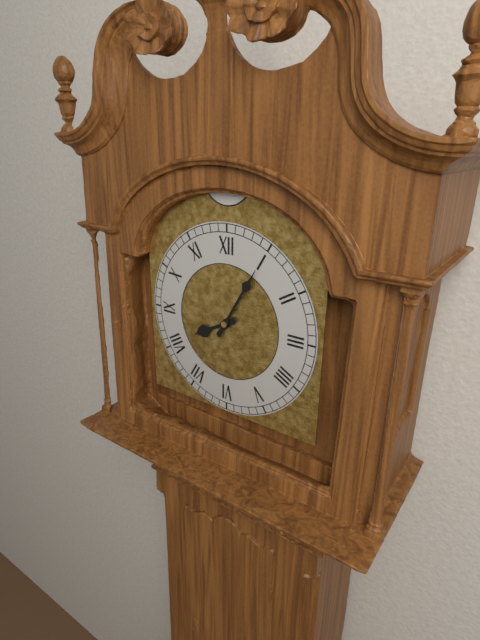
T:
8:05
